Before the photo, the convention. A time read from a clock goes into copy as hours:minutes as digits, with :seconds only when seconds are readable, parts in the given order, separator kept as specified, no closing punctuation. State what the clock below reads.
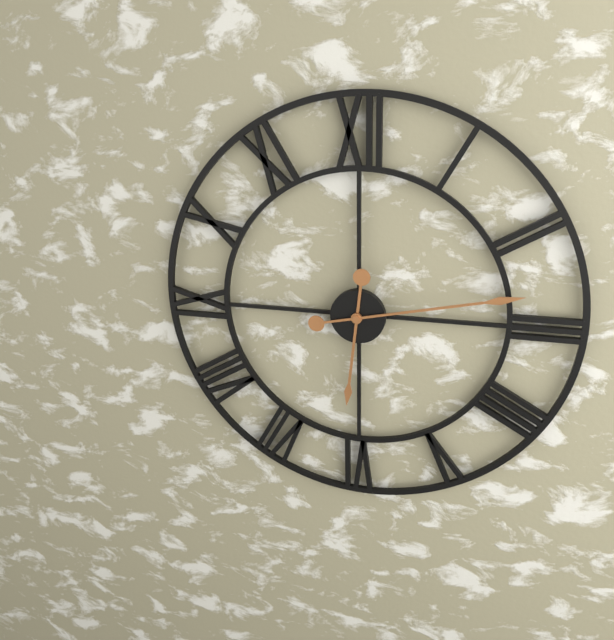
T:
6:13
